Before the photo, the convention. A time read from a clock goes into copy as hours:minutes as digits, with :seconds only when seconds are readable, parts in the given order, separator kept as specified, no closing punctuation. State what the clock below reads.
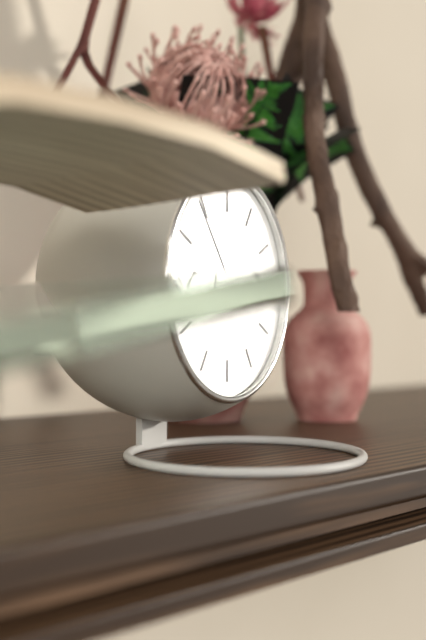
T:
9:16:54
